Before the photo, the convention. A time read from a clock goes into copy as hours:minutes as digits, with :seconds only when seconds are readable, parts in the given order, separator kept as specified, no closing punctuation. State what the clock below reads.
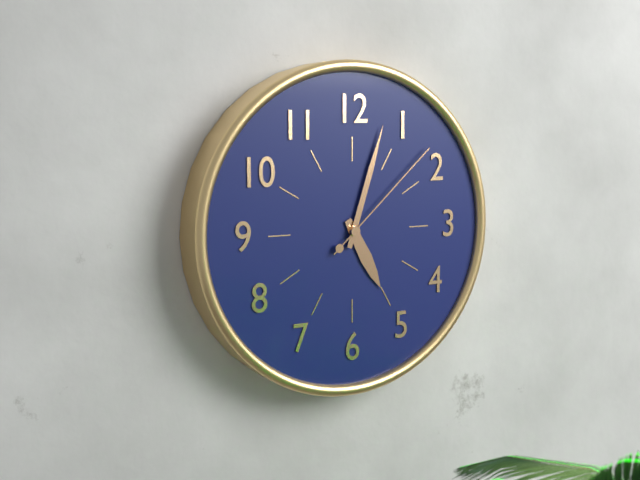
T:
5:03:08
